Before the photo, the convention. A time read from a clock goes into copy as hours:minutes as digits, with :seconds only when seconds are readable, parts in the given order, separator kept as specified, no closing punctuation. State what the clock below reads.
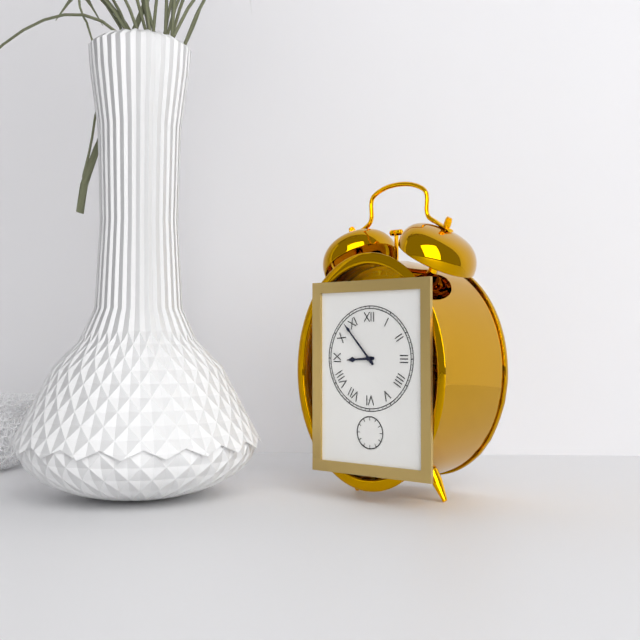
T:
8:53
